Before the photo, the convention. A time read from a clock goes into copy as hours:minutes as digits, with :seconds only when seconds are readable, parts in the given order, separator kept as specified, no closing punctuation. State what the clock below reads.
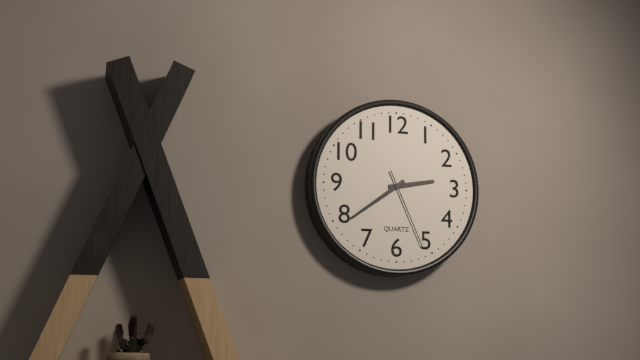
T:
2:39:26
